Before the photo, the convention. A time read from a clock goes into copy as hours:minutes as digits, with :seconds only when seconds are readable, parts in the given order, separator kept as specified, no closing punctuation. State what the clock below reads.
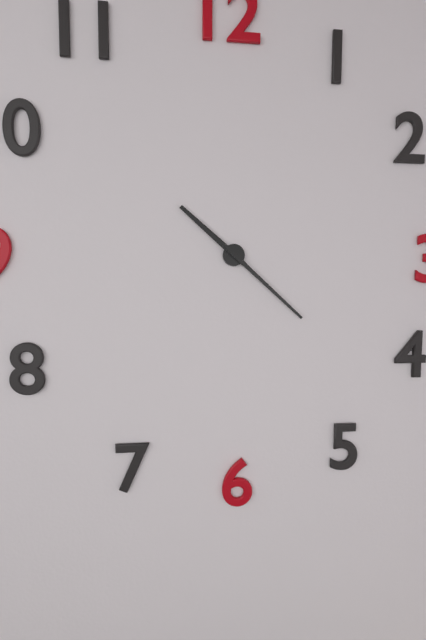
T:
10:22
